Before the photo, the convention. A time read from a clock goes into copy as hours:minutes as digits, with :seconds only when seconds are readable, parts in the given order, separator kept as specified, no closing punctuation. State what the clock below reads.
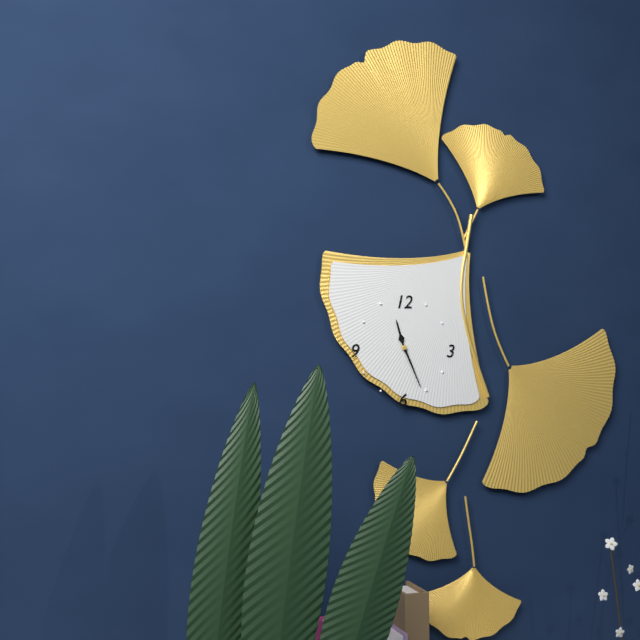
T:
11:26
